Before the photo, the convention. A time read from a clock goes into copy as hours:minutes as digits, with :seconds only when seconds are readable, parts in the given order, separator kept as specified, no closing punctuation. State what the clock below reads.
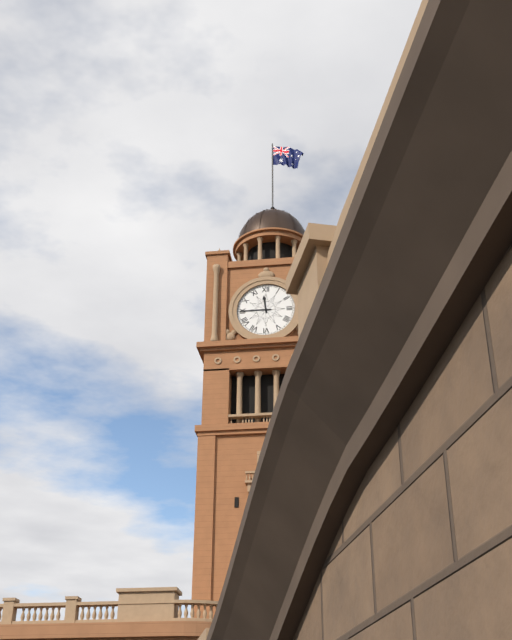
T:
11:45
